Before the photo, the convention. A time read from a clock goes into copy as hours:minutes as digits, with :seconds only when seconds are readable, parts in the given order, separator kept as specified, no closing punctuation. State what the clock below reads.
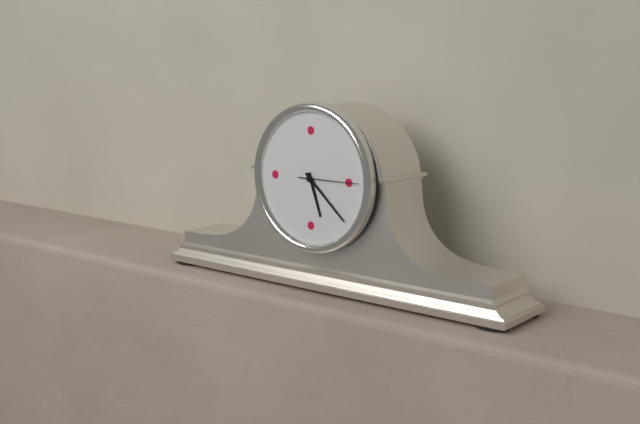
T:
5:22:15
